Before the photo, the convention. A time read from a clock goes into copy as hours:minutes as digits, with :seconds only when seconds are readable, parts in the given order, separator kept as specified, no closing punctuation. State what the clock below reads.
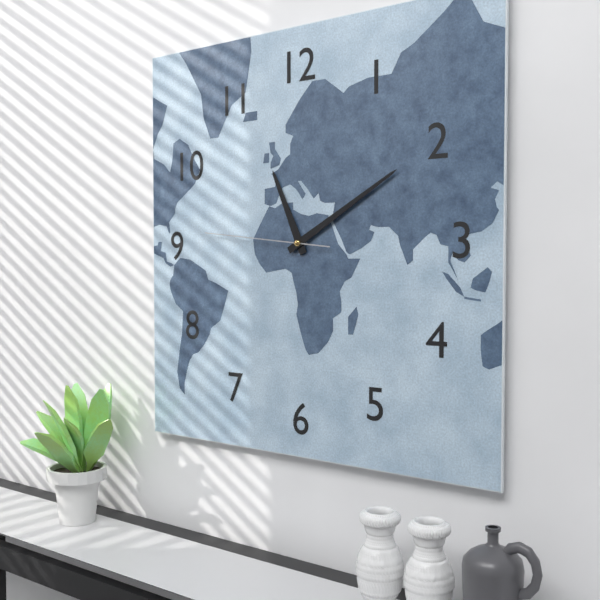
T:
11:10:46
